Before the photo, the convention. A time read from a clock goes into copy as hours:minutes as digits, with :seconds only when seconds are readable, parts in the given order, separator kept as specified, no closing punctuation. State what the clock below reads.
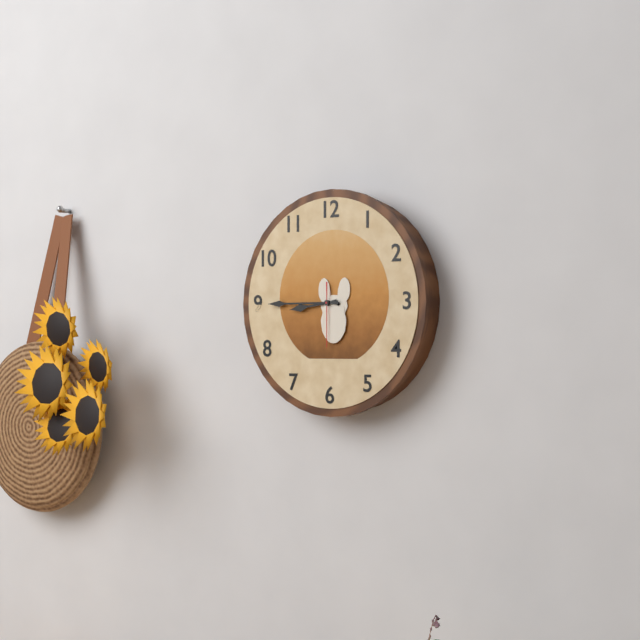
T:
8:45:30
